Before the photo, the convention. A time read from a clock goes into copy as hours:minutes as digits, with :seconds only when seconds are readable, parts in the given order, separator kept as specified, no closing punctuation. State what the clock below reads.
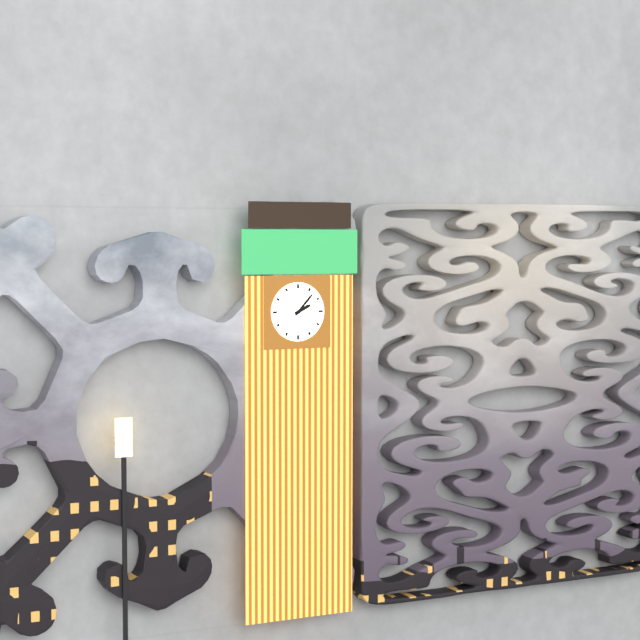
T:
2:07
